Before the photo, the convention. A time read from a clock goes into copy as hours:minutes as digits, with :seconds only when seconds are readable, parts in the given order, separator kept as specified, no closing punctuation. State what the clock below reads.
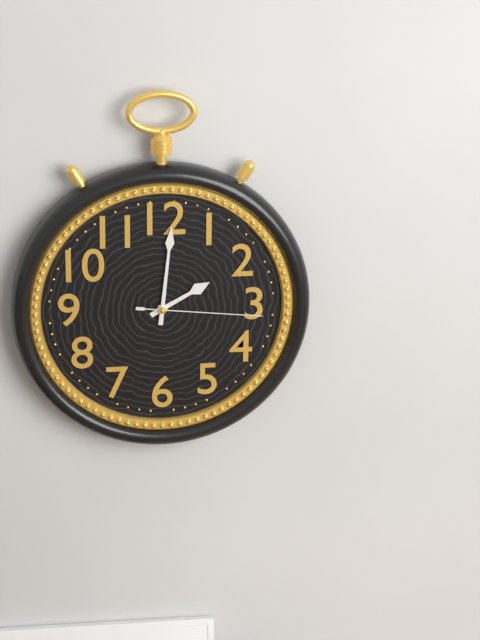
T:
2:01:16
